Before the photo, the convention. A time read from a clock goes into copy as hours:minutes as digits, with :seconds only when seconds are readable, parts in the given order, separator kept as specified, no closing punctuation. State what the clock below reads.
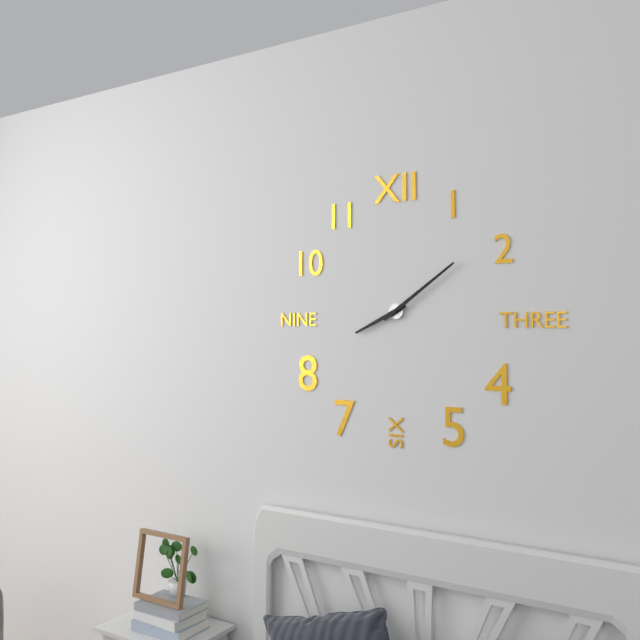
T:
8:09
